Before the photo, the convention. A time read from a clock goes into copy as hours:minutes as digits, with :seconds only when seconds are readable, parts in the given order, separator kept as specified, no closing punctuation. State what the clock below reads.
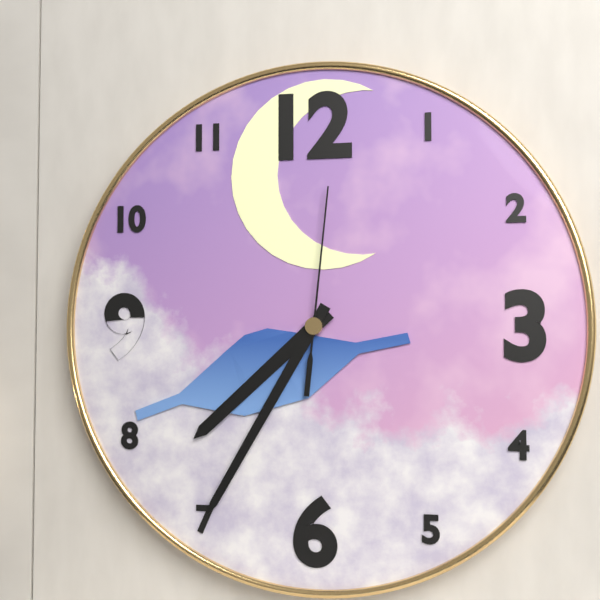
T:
7:35:01
